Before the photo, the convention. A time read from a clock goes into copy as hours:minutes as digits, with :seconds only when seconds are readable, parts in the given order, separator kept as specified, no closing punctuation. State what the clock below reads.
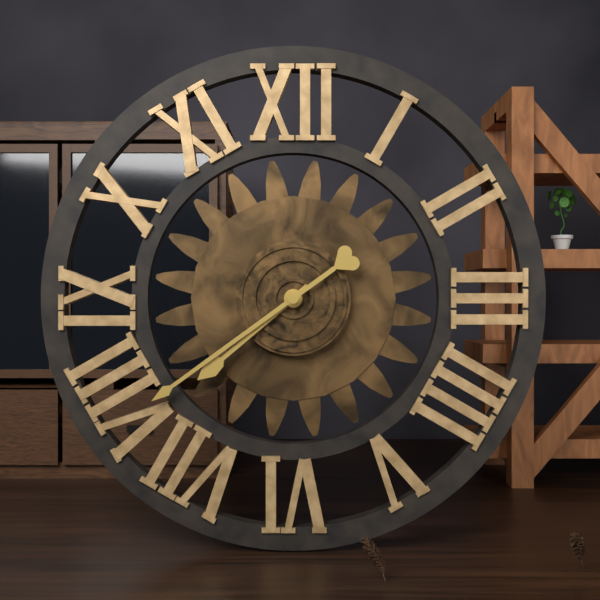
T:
7:39
